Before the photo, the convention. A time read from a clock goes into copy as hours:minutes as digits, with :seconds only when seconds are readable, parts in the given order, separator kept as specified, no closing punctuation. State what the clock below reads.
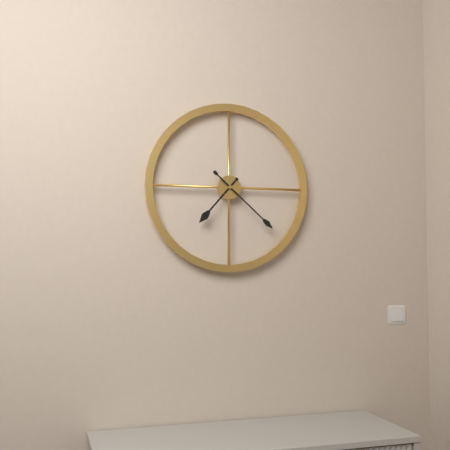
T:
7:22
